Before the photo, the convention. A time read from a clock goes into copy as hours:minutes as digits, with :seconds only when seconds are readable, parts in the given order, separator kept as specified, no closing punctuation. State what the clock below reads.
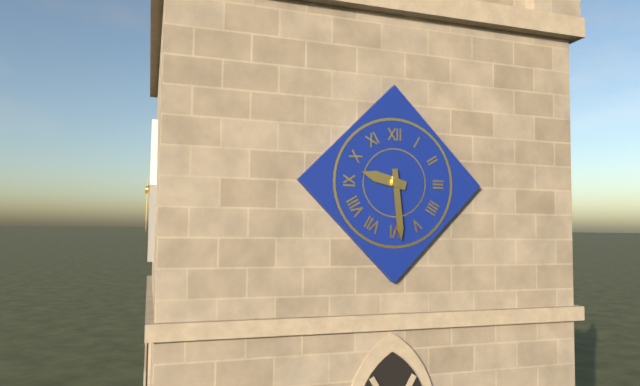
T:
9:29
